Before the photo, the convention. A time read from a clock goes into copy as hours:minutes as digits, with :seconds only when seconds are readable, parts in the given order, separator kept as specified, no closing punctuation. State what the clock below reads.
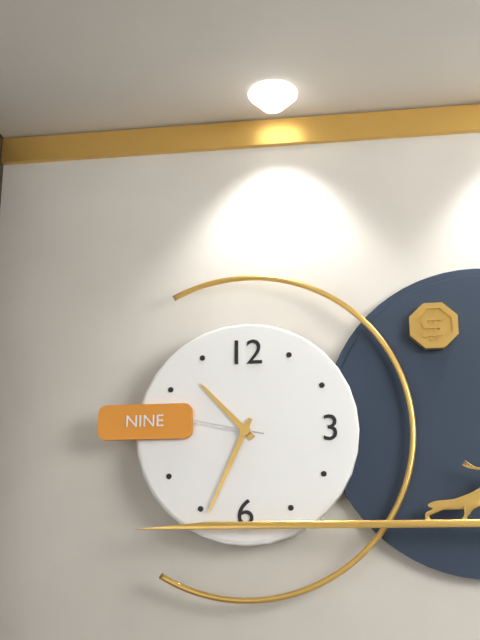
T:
10:34
